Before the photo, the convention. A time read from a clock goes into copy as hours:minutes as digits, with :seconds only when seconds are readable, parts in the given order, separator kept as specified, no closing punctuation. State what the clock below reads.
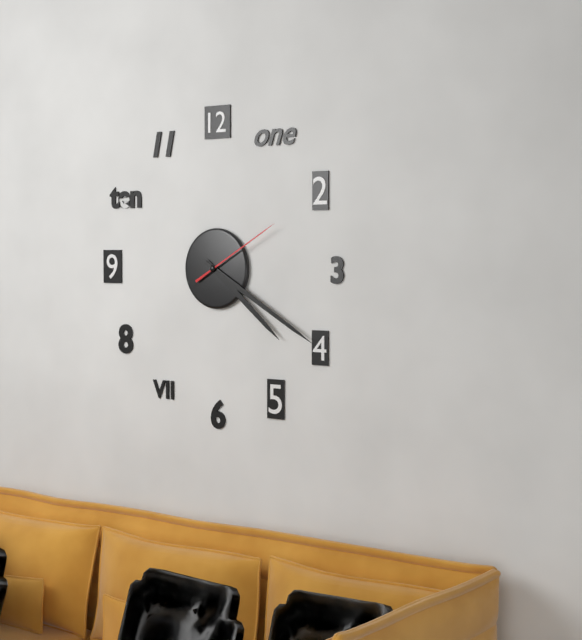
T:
4:20:10
